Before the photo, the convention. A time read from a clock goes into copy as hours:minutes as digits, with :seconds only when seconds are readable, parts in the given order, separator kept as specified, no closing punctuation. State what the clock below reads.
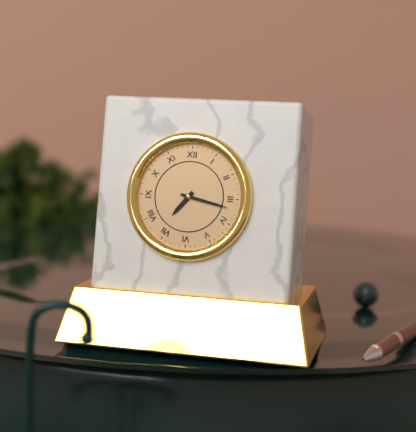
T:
7:17
